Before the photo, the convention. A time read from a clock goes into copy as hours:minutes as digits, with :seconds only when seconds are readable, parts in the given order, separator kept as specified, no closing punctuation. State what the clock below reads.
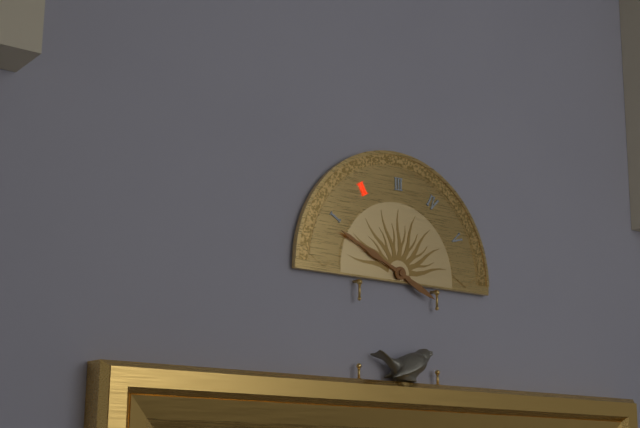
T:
3:49
